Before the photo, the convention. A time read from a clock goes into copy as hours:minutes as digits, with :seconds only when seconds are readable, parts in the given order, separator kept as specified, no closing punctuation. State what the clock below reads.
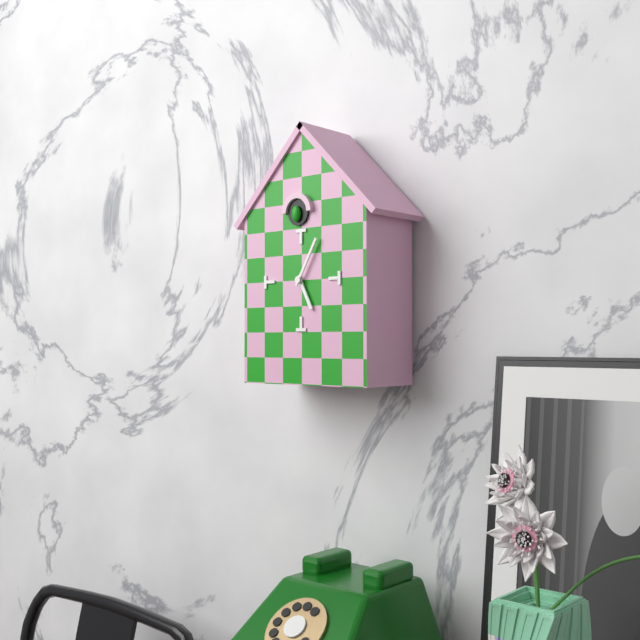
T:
5:05
